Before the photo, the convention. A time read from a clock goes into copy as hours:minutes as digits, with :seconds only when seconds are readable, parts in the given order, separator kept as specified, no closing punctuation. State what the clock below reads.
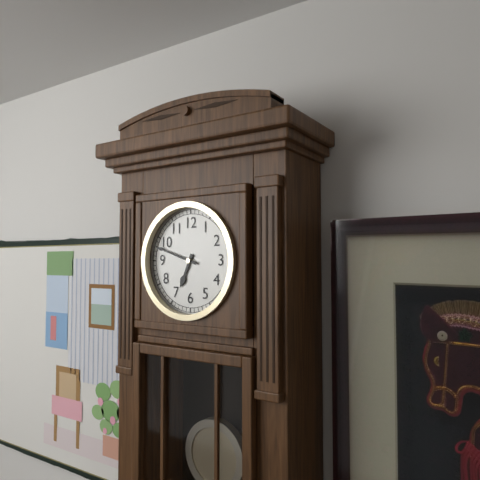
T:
6:48
